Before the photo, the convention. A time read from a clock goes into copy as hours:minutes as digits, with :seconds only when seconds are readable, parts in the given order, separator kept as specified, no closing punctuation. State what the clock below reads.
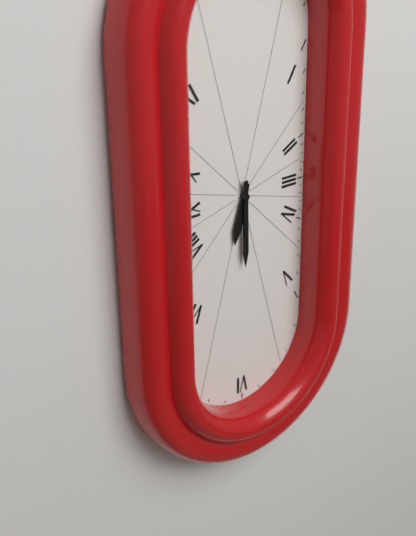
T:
6:30
